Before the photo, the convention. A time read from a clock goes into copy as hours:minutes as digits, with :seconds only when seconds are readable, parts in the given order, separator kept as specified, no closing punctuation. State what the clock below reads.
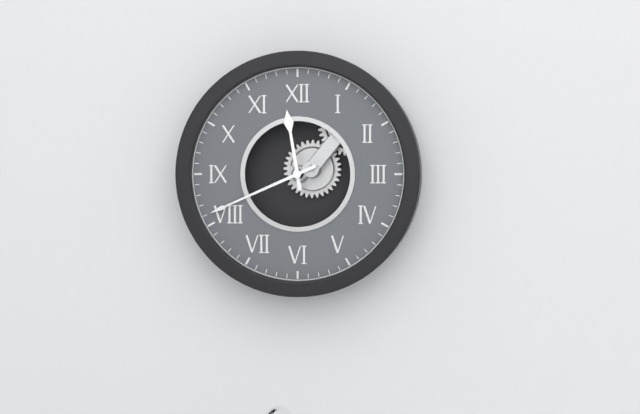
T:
11:41
